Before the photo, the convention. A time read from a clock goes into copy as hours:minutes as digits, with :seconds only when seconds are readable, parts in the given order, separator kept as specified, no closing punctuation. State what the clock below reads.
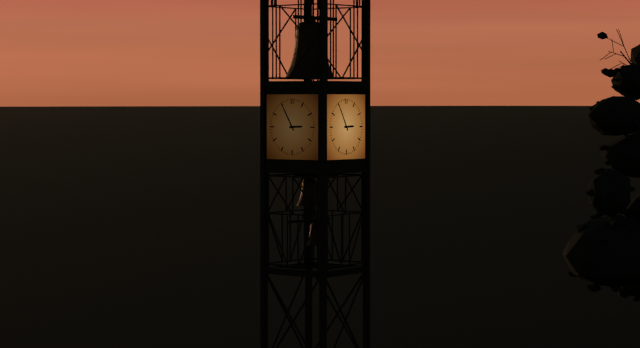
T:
2:55
